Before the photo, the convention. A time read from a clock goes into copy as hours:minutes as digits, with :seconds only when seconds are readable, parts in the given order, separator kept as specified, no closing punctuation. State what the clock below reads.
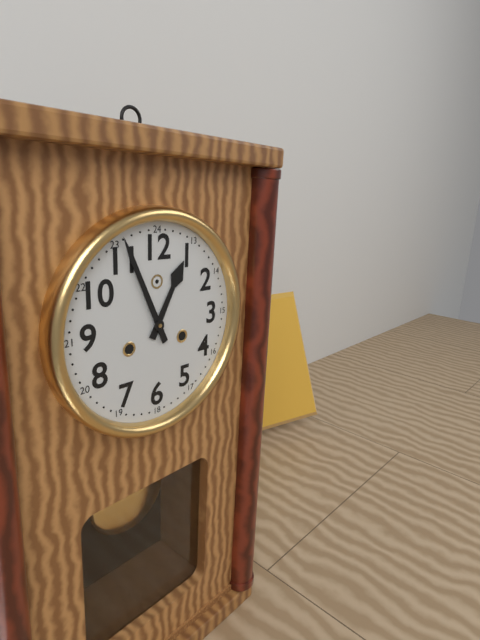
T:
12:56
